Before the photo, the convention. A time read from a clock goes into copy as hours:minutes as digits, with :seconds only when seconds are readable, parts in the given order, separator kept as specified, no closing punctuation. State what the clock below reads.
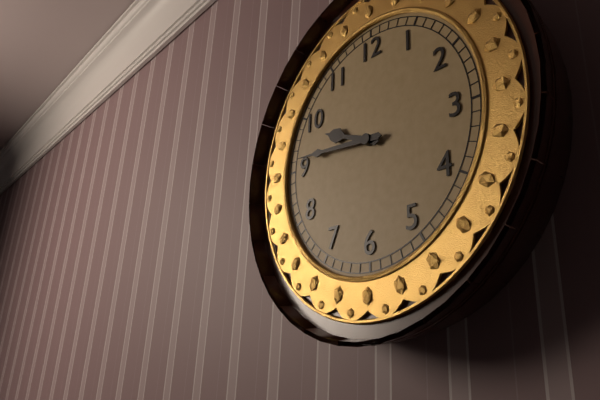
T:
9:46
